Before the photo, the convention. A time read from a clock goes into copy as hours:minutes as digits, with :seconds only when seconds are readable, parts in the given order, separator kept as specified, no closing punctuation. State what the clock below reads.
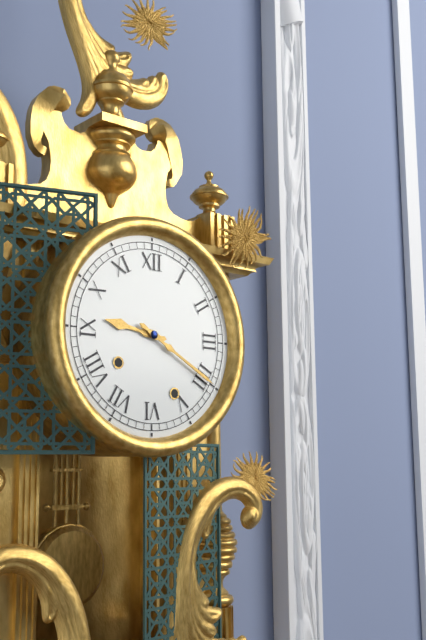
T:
9:20
